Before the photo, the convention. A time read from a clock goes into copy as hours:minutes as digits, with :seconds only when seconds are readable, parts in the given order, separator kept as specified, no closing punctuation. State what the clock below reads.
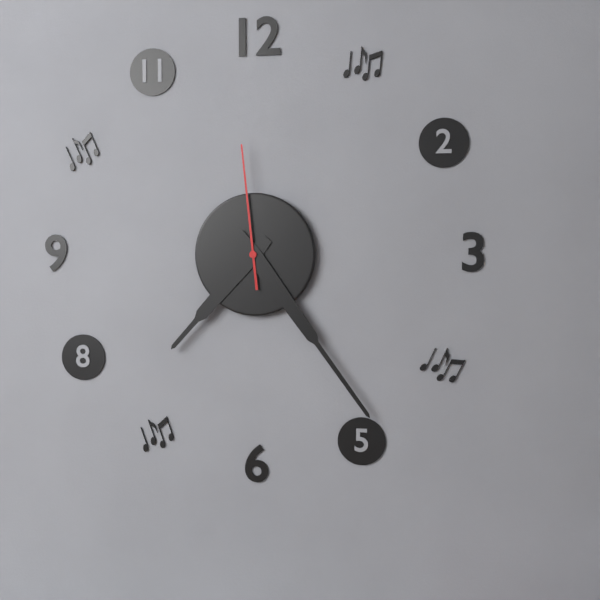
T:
7:24:59
